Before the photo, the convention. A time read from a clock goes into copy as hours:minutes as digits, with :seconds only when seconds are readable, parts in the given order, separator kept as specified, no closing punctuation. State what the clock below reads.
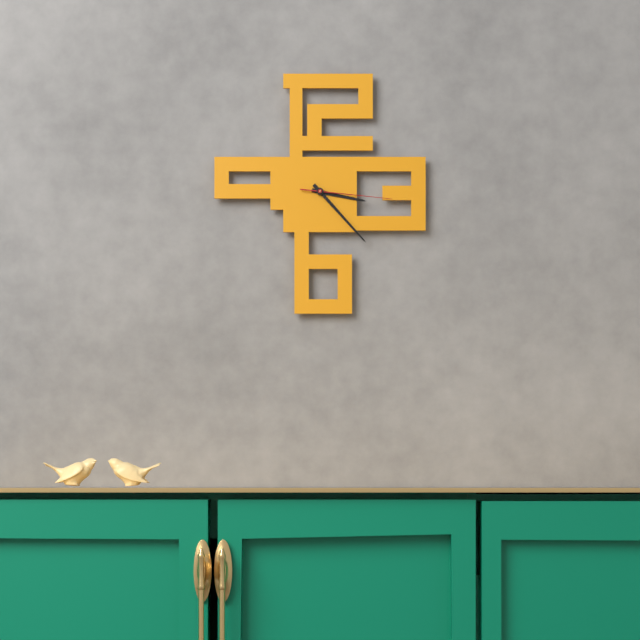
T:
3:23:16
